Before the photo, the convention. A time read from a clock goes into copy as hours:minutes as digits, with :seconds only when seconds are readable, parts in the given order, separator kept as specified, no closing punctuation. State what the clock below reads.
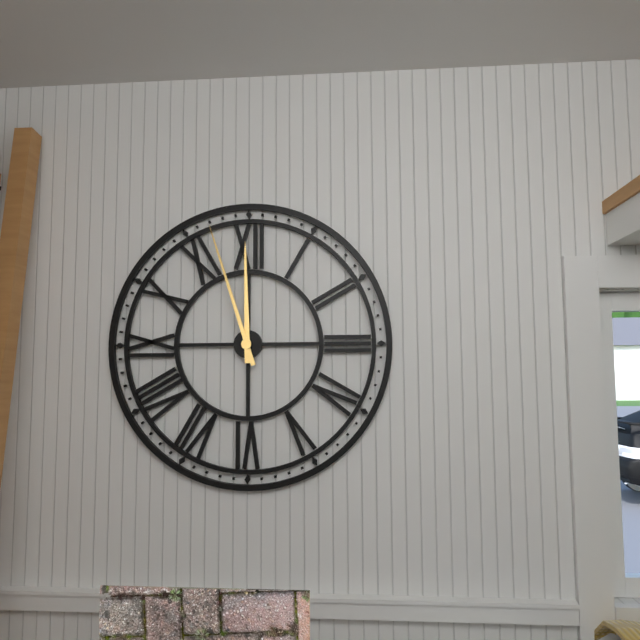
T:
11:57
